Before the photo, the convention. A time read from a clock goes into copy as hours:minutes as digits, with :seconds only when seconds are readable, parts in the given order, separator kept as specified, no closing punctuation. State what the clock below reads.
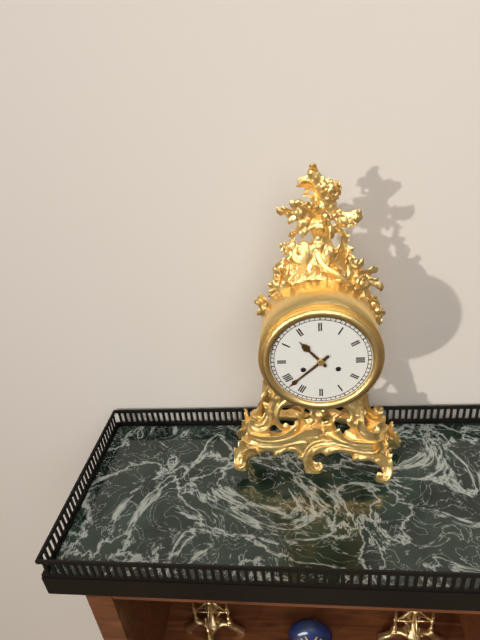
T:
10:38
